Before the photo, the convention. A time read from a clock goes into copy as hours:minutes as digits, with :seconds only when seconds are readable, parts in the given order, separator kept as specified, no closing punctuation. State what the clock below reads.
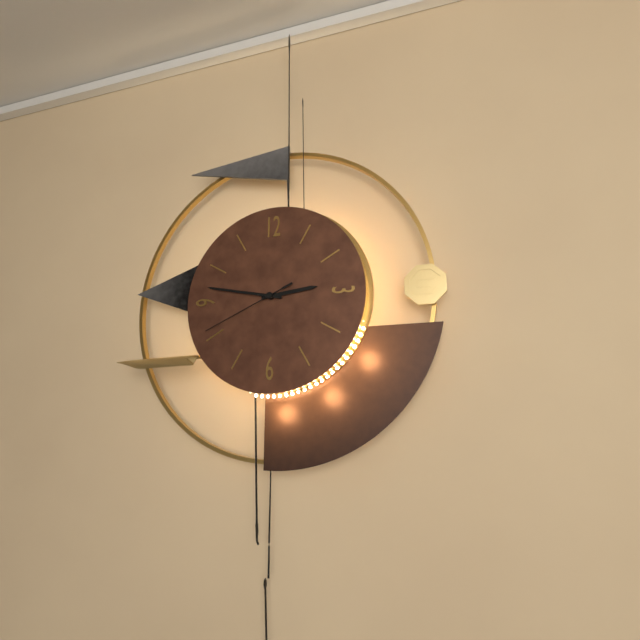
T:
2:47:41
